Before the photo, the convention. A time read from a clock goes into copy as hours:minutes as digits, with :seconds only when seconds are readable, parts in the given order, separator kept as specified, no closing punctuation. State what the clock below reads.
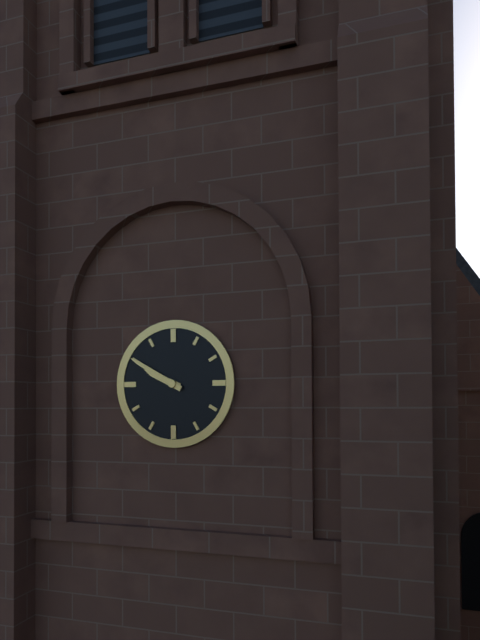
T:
9:50
